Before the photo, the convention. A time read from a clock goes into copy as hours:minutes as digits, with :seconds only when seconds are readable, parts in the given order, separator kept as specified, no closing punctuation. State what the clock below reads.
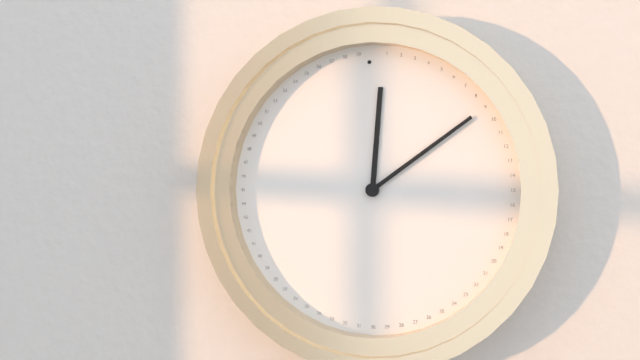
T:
12:09
